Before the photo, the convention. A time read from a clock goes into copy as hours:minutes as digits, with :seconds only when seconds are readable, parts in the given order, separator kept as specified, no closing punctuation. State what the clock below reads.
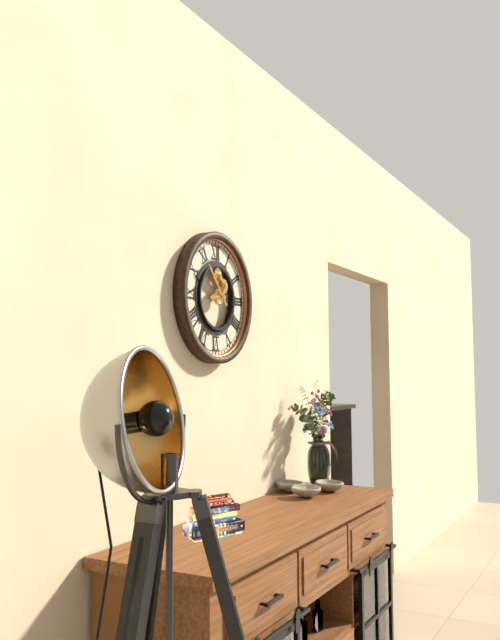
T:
8:53
